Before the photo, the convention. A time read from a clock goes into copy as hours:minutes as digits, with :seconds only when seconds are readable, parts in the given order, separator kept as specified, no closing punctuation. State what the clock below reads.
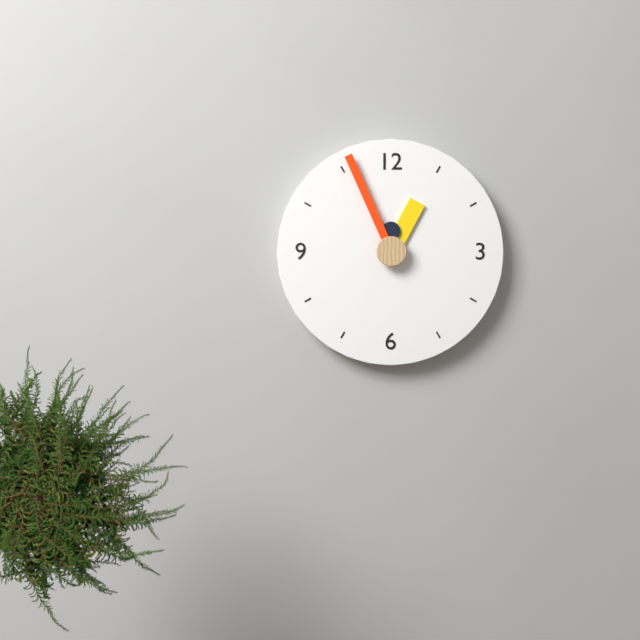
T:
12:56
